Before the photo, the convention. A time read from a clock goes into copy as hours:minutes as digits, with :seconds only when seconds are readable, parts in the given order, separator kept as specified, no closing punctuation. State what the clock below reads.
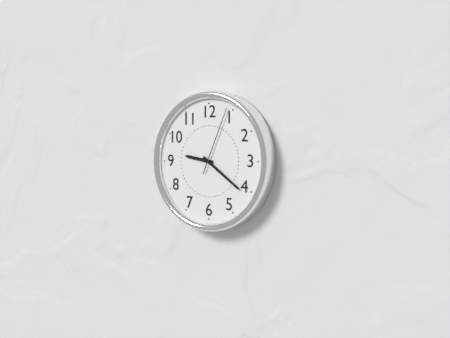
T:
9:21:04
